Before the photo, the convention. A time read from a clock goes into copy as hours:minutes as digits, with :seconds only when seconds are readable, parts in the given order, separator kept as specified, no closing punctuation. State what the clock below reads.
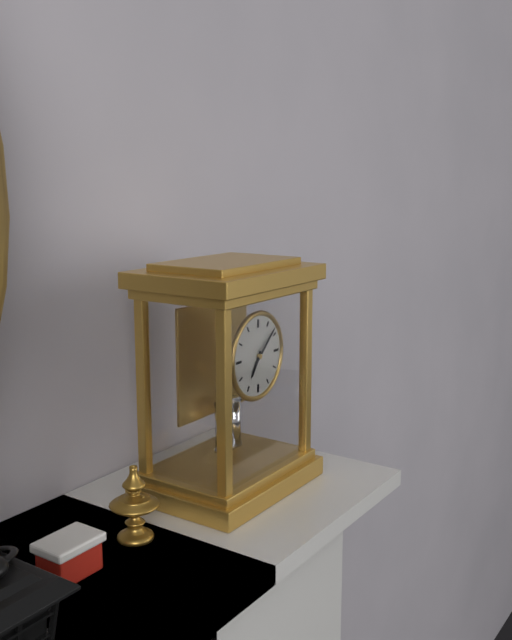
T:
7:08
